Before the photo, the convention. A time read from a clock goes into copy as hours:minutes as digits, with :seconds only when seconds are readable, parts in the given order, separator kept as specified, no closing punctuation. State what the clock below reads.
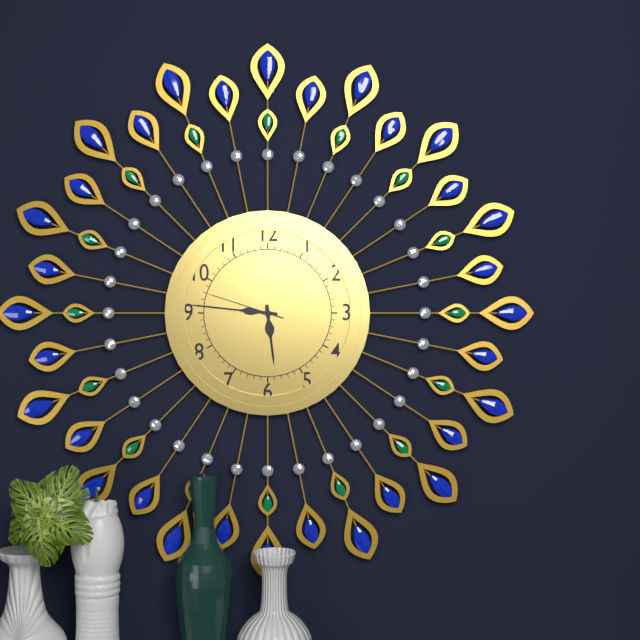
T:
5:46:48
